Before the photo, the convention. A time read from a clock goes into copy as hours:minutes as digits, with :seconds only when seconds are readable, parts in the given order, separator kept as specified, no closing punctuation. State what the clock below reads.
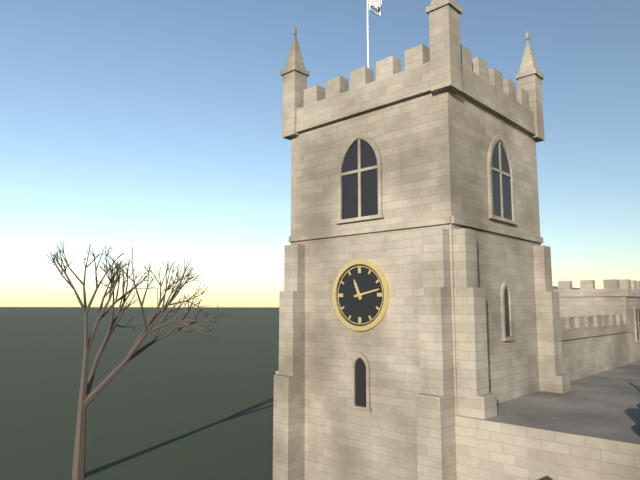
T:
11:13
